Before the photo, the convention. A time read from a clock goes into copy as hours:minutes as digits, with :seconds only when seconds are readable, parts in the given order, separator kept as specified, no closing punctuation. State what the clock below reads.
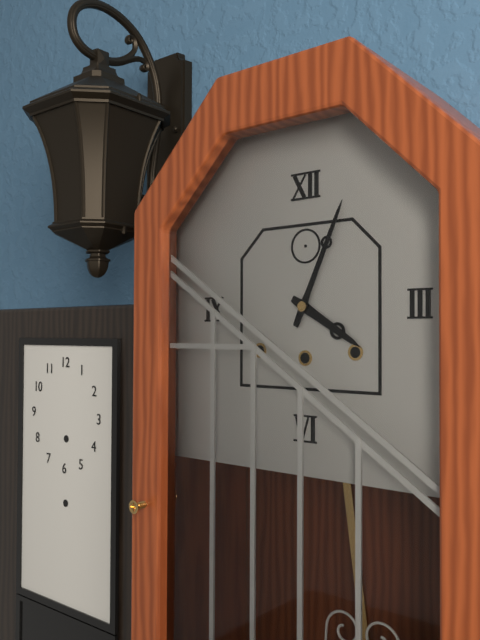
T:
4:04
